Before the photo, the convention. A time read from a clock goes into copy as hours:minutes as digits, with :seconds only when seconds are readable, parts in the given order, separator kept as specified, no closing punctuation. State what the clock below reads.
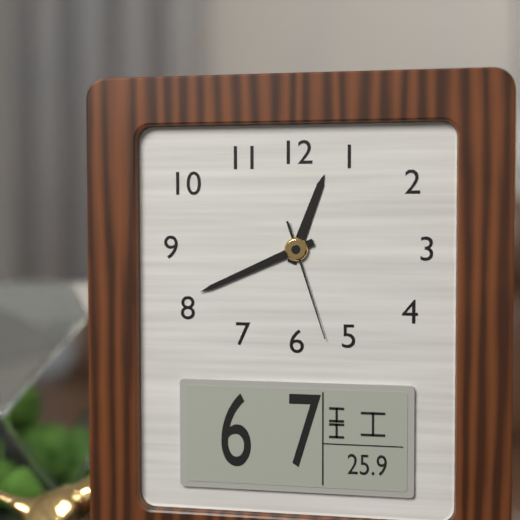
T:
12:41:27
